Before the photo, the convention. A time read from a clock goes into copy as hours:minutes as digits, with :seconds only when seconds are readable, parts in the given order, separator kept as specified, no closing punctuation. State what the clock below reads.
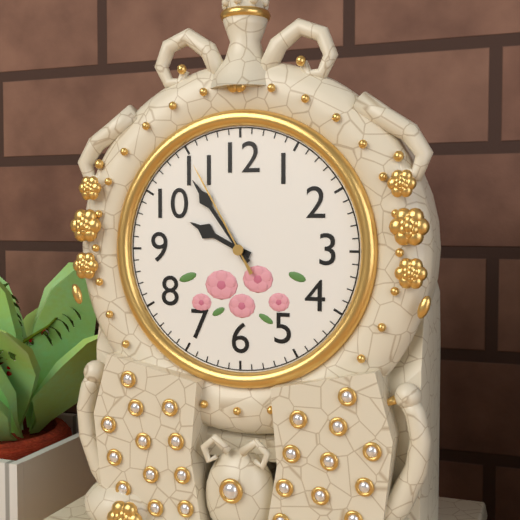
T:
9:54:55
